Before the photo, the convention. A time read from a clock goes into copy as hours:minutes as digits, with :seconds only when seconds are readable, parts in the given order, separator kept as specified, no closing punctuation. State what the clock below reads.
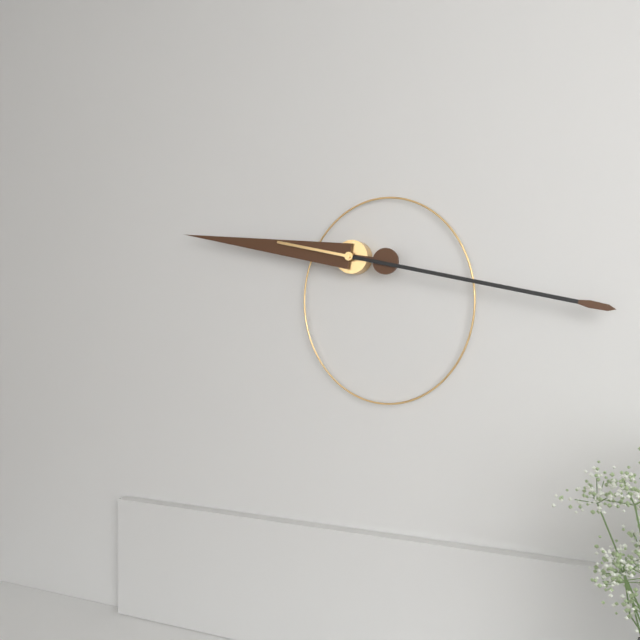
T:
9:17
